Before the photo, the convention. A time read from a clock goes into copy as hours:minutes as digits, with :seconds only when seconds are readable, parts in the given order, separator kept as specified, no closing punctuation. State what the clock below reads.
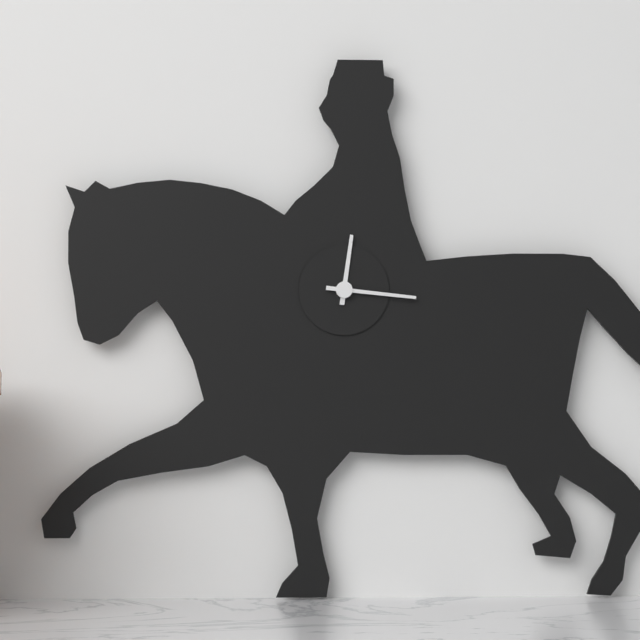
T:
12:16
